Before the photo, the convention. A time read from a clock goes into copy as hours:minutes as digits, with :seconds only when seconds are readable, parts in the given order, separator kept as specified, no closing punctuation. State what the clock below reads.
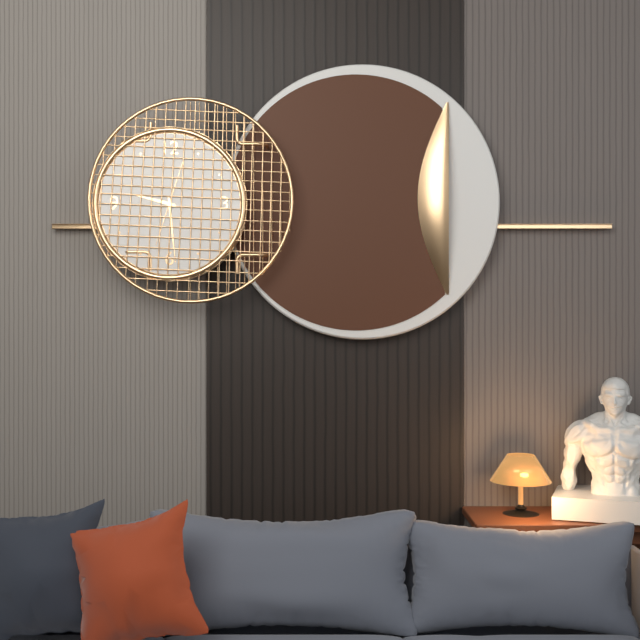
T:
9:29:03
